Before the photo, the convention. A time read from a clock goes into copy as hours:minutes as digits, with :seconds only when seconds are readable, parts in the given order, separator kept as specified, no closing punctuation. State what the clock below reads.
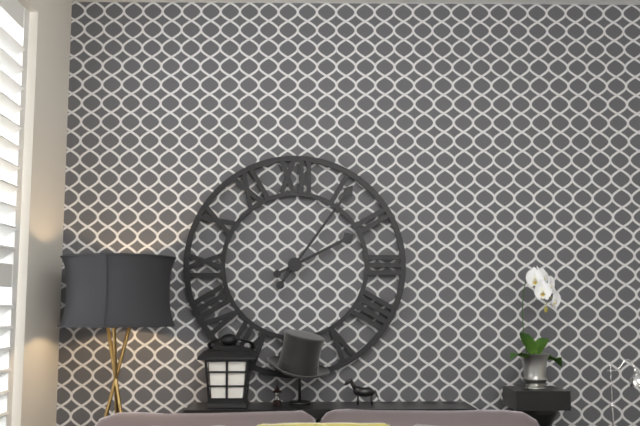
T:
2:06
